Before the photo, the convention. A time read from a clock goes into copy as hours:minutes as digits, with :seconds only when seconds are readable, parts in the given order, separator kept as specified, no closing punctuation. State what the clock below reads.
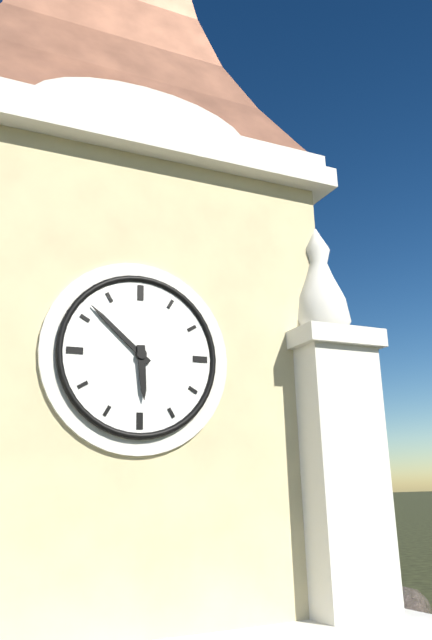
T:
5:52
